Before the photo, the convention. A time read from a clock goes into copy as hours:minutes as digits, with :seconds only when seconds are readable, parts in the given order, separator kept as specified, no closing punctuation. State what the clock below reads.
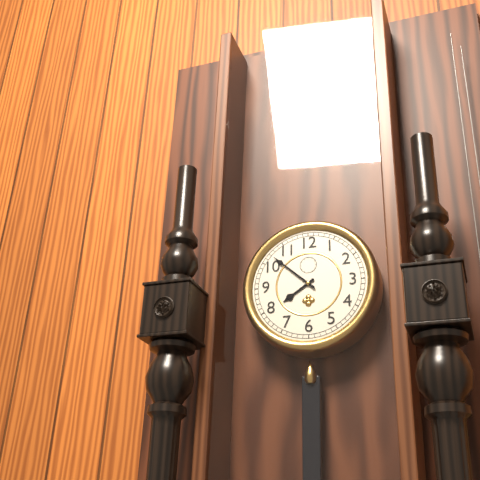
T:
7:52
